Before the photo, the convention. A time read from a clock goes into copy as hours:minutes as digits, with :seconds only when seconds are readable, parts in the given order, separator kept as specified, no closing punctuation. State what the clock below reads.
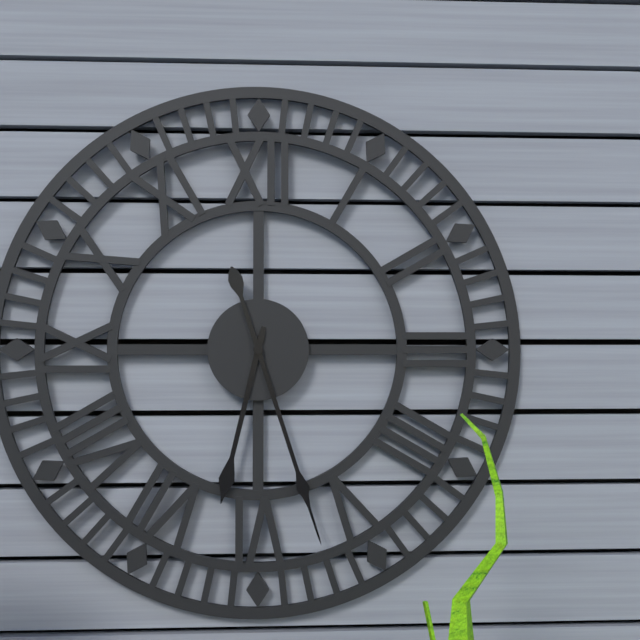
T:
6:27
